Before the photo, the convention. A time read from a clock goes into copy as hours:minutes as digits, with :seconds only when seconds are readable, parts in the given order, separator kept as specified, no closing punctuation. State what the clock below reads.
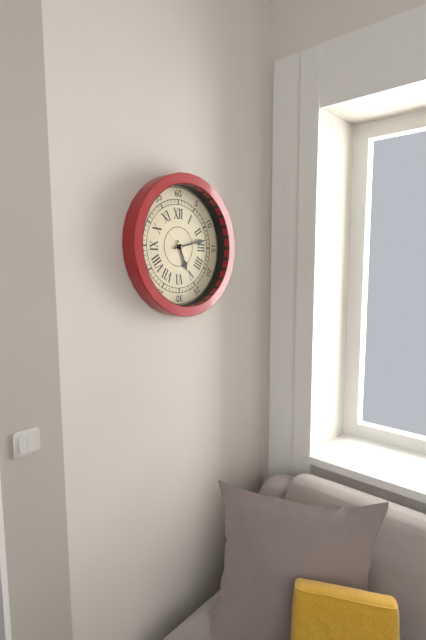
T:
5:13:52
